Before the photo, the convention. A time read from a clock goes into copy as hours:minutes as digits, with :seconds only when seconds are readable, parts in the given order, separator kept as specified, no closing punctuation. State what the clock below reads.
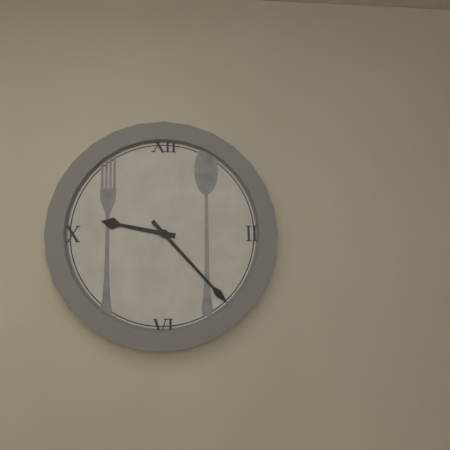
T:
9:23
